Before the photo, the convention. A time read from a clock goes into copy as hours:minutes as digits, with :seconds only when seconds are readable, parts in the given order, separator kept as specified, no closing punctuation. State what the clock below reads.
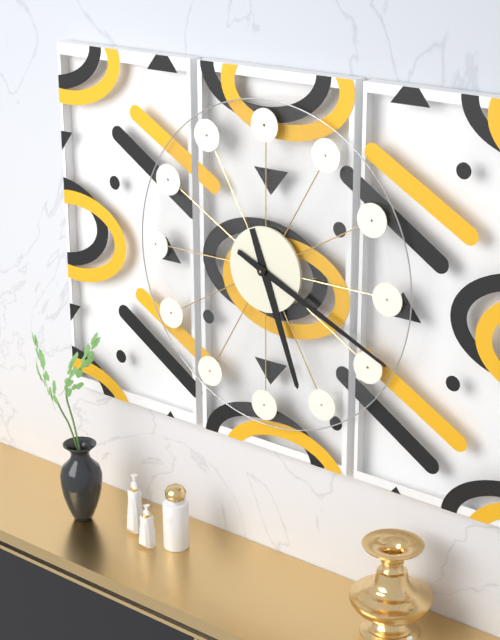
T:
5:19
